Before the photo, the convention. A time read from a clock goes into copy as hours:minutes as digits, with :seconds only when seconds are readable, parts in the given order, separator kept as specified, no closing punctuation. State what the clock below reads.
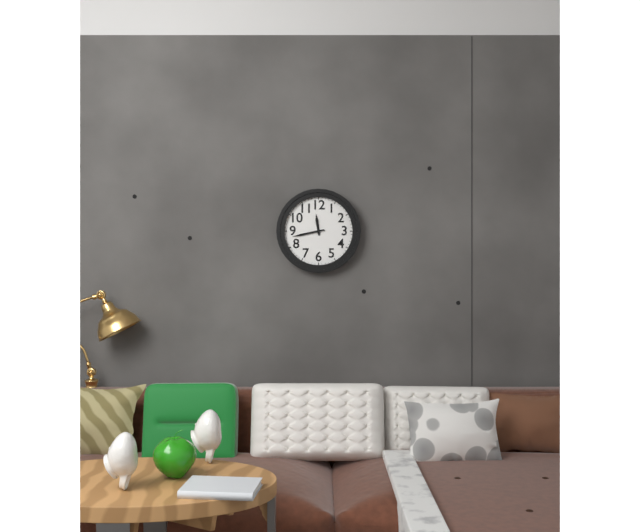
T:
11:43
